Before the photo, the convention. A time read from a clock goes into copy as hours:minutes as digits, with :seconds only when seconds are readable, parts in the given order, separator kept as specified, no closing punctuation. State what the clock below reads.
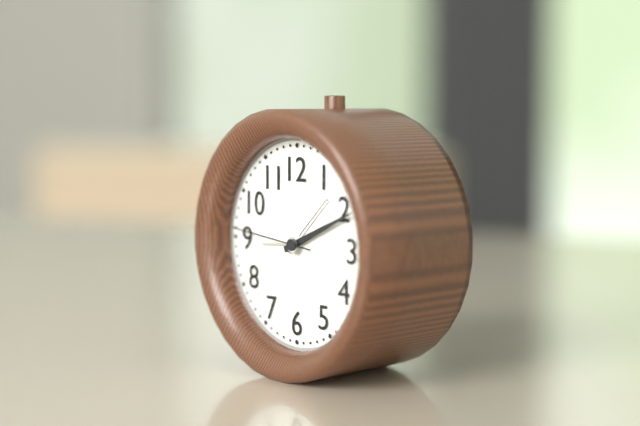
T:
2:11:46
